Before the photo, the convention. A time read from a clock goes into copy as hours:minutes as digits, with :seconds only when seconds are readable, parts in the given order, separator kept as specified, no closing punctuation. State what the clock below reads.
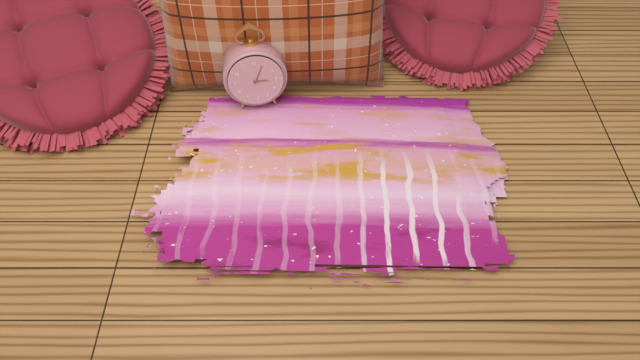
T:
3:04
